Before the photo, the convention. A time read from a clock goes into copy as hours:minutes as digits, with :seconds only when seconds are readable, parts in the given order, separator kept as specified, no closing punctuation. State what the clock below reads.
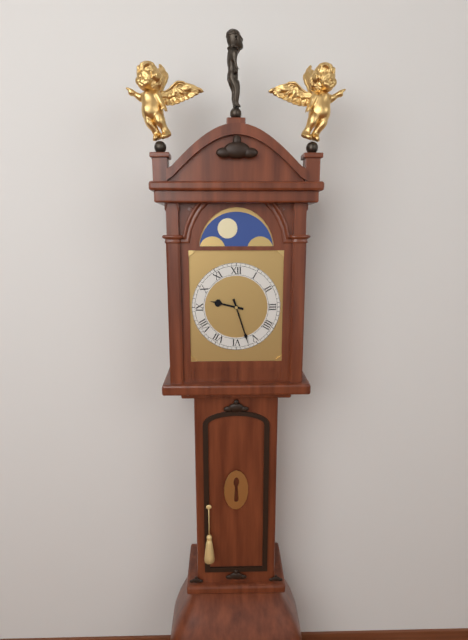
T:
9:27
